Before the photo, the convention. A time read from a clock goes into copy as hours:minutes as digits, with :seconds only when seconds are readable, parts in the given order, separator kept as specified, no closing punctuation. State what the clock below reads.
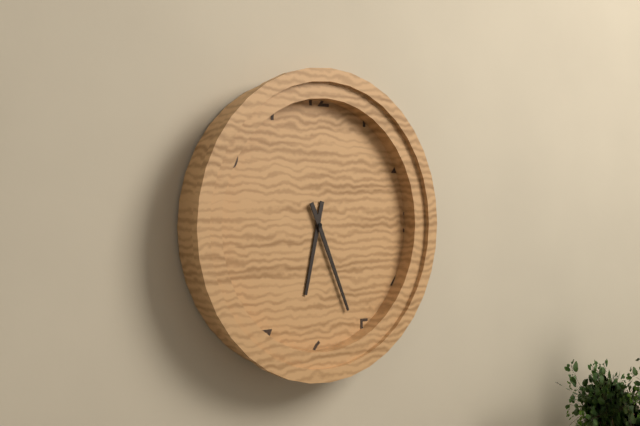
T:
6:26
